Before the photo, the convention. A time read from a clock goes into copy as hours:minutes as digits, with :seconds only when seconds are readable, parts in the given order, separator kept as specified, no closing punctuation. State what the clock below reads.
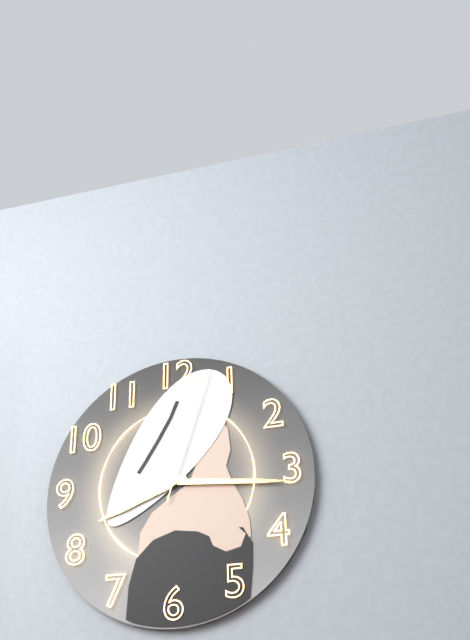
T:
8:16:03
